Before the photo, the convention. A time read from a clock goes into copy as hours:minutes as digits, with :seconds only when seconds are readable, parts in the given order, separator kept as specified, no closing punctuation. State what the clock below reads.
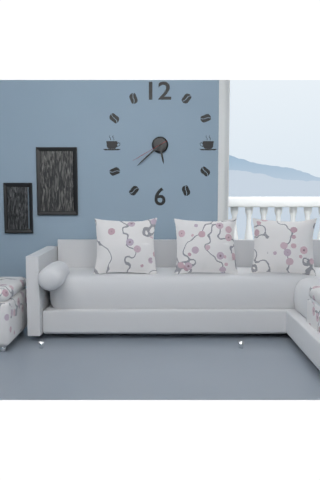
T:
5:38
